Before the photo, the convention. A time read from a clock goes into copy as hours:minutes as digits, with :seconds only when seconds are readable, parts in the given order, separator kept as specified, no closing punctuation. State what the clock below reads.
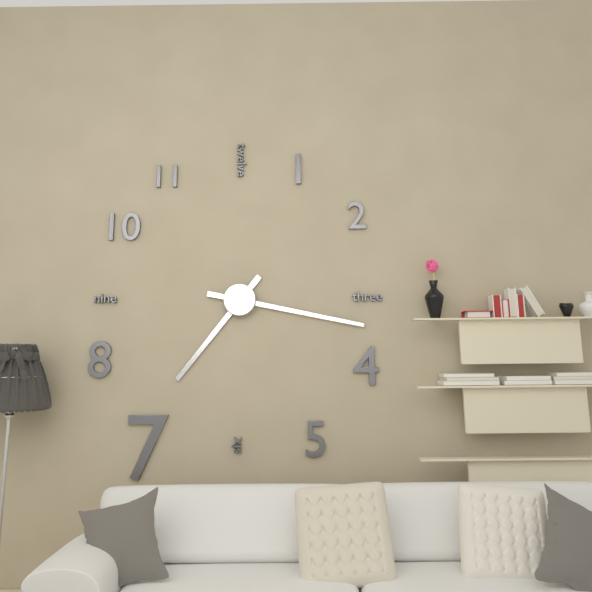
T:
7:17
